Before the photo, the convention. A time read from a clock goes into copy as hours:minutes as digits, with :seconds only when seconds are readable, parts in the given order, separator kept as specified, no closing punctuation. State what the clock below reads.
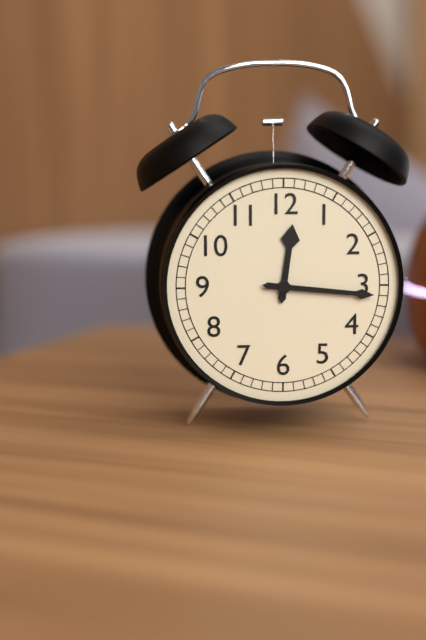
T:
12:16
